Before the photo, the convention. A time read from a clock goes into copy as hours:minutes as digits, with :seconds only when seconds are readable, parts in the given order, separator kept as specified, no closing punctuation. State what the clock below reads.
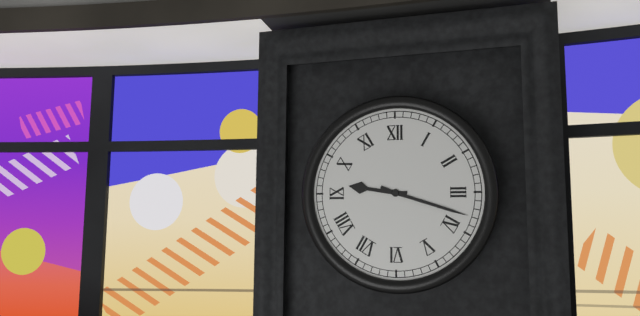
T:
9:18
